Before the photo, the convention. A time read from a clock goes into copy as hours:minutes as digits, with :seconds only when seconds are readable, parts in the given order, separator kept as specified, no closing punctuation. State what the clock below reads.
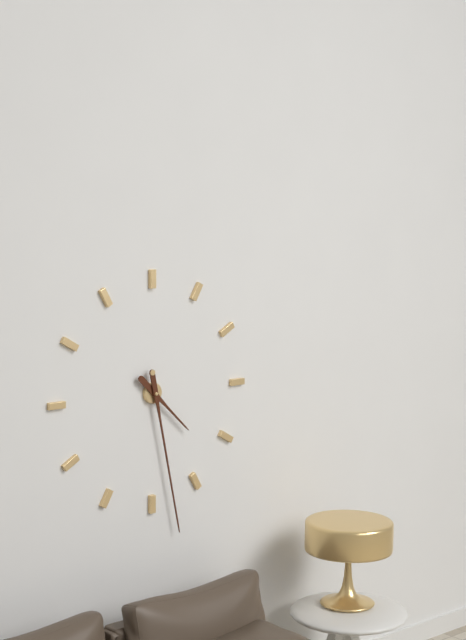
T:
4:28
